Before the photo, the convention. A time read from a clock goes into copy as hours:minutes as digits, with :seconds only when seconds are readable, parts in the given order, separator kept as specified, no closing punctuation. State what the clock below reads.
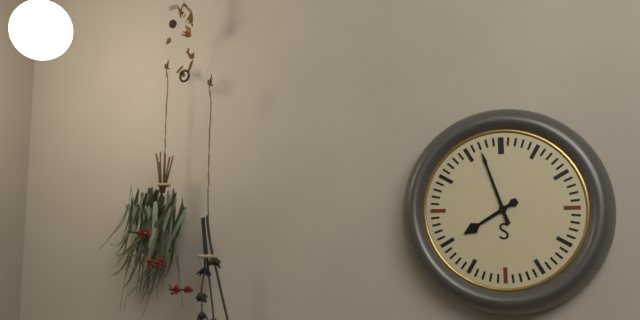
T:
7:57
